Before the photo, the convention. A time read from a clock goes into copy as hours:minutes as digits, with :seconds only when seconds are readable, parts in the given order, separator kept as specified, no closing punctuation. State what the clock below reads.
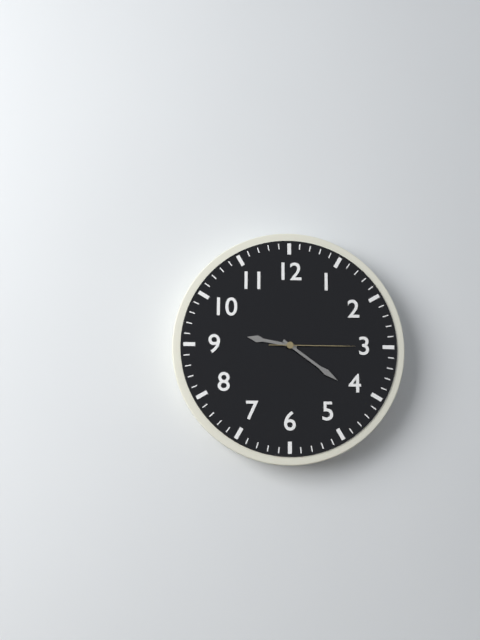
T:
9:21:15
